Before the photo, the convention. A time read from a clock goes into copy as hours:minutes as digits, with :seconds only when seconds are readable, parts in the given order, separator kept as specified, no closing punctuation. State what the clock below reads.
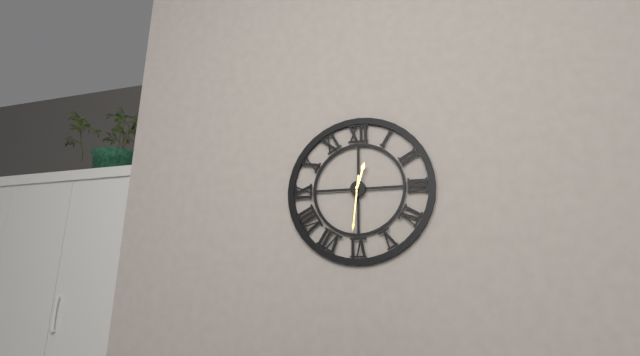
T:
12:31
